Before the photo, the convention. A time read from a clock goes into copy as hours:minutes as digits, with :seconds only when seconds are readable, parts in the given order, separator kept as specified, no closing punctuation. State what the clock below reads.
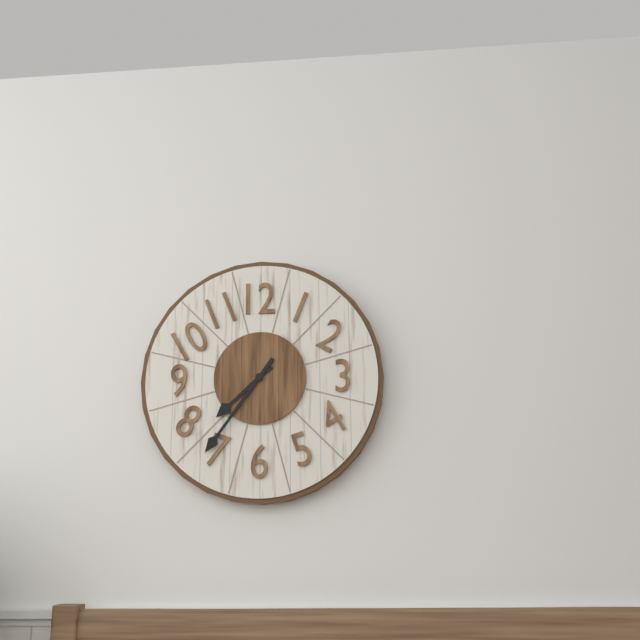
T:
7:36
